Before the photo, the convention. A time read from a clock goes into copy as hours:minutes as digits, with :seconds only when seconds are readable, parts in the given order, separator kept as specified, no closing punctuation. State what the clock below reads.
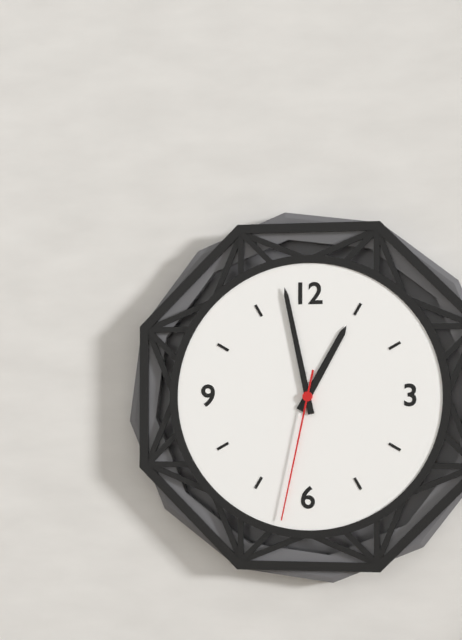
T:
12:58:32
